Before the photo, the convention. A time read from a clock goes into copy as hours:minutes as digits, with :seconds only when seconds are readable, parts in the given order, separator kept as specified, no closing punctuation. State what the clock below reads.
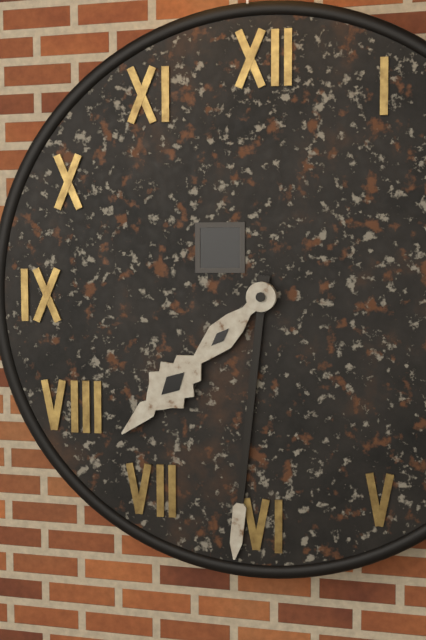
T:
7:31
